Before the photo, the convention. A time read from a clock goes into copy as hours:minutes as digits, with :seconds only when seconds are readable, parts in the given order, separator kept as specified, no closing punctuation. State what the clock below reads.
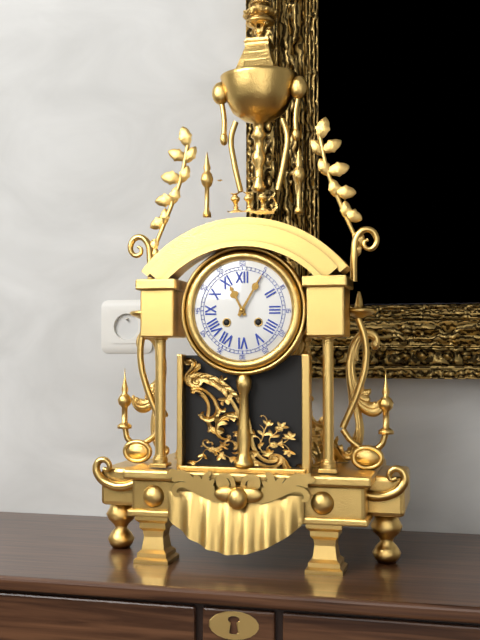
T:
11:05
